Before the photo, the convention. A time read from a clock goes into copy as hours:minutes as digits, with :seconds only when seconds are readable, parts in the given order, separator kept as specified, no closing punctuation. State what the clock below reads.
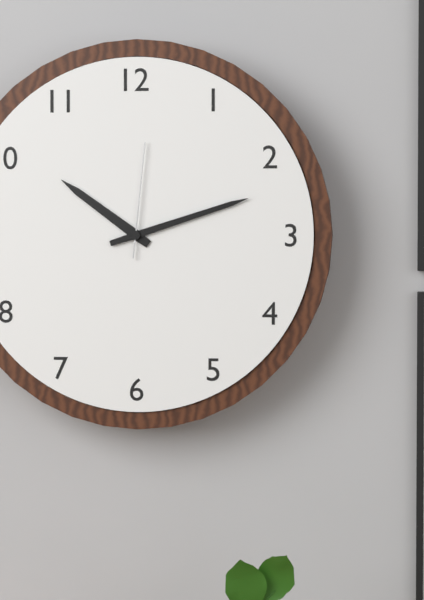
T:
10:12:01
